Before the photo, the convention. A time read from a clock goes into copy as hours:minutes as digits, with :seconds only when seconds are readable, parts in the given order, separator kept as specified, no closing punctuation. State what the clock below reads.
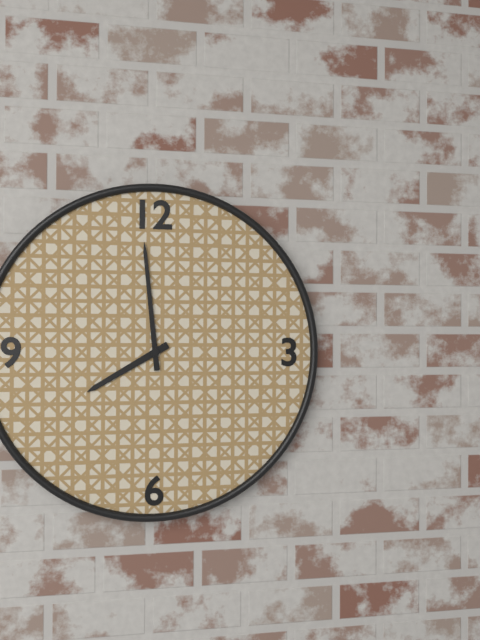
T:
7:59
